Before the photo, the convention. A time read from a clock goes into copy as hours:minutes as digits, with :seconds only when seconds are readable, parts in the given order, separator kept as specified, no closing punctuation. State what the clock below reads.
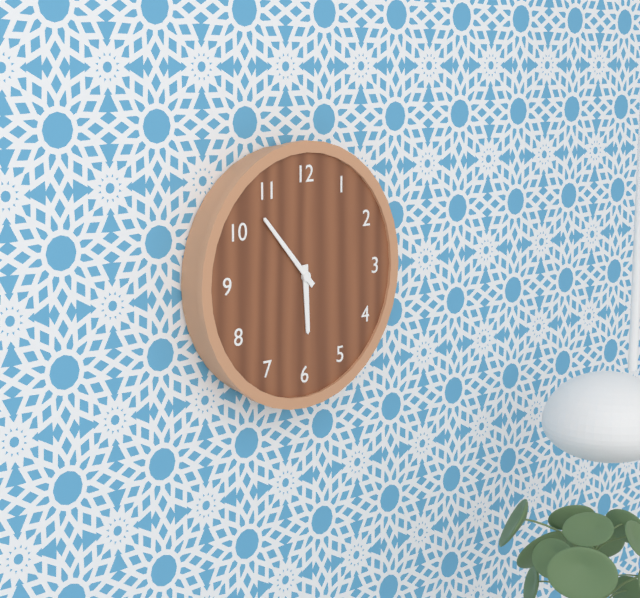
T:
5:53
